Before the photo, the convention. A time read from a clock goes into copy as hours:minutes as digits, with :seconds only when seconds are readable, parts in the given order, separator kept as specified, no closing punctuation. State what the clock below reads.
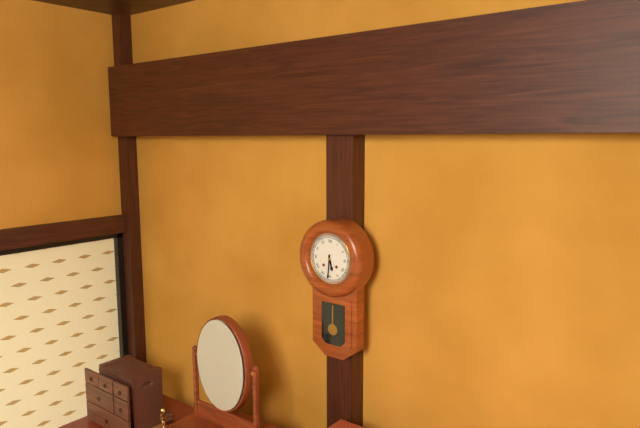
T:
5:31
